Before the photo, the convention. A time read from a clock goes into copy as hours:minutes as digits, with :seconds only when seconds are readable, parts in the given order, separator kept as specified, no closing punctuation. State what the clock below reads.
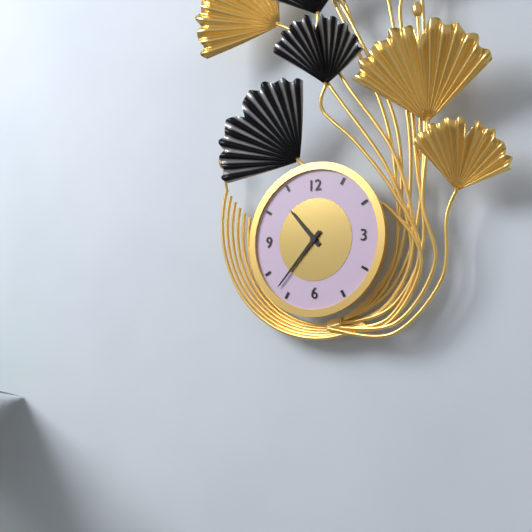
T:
10:37
